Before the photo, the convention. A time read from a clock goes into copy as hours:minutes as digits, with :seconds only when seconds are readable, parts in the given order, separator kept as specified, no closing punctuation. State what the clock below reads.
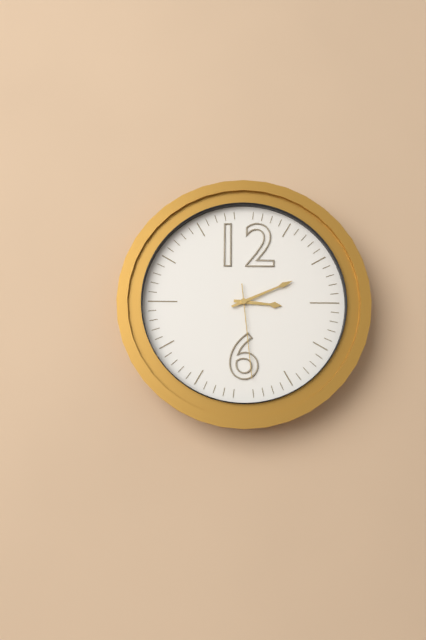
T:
3:11:29
